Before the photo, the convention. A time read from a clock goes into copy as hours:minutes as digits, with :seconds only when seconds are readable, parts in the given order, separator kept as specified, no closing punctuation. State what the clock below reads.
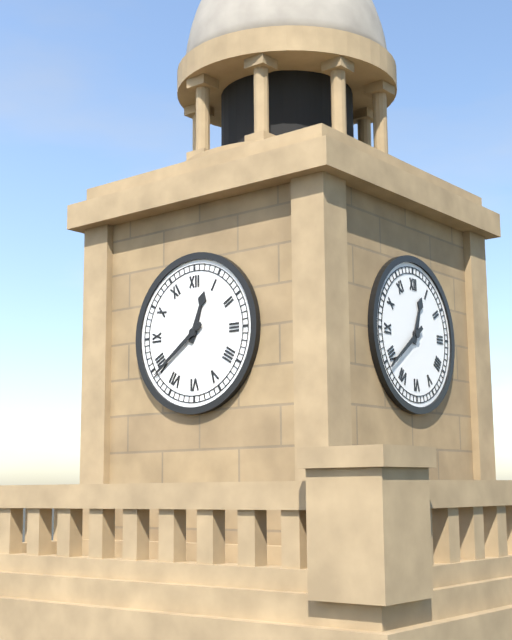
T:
12:39
